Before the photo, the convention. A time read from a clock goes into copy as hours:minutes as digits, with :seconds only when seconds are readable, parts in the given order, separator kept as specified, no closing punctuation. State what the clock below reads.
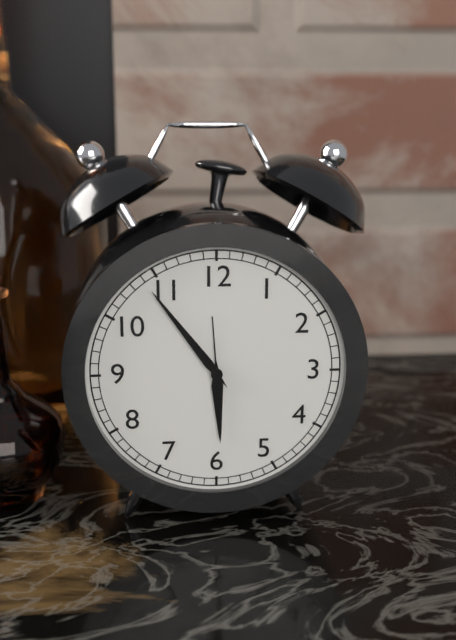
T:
5:54
